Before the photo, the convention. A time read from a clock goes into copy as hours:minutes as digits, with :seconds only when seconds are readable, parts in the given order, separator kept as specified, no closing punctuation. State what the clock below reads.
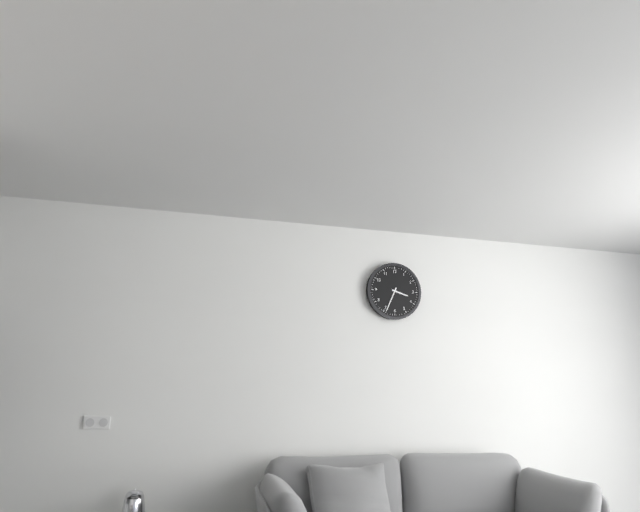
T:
3:34
